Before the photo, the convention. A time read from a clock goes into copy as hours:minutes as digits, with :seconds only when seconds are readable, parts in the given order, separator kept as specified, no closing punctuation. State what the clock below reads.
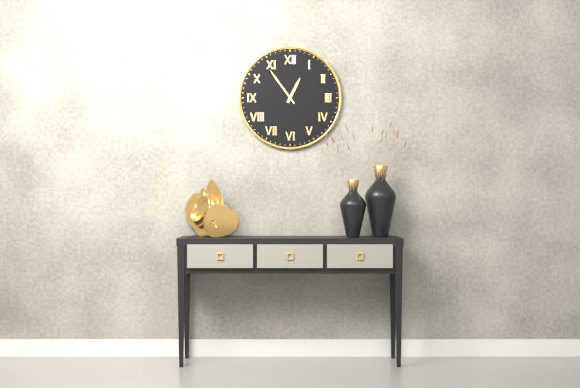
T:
12:54
